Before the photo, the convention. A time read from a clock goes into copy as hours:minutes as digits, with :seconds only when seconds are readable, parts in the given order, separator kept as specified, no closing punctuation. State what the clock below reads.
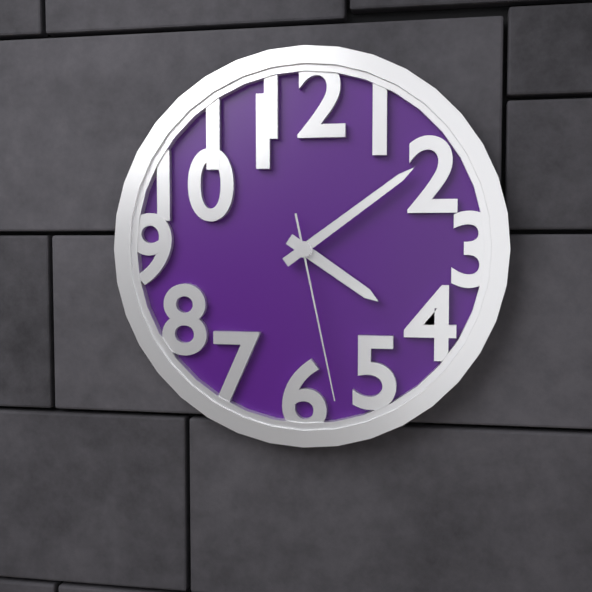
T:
4:09:28
